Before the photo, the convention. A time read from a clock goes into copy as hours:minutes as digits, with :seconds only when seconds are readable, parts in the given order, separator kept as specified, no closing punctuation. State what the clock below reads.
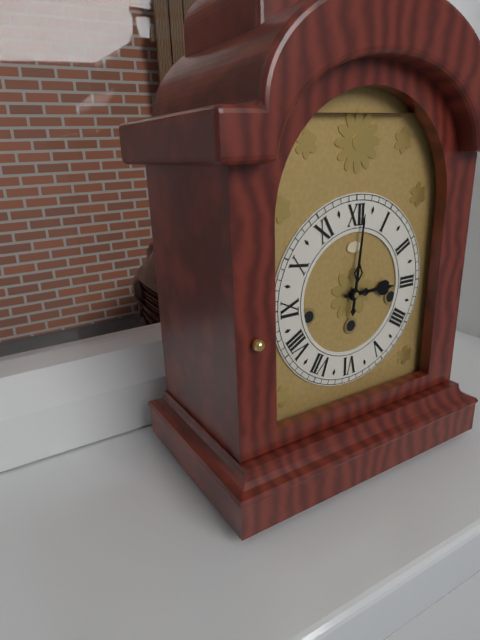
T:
3:01
